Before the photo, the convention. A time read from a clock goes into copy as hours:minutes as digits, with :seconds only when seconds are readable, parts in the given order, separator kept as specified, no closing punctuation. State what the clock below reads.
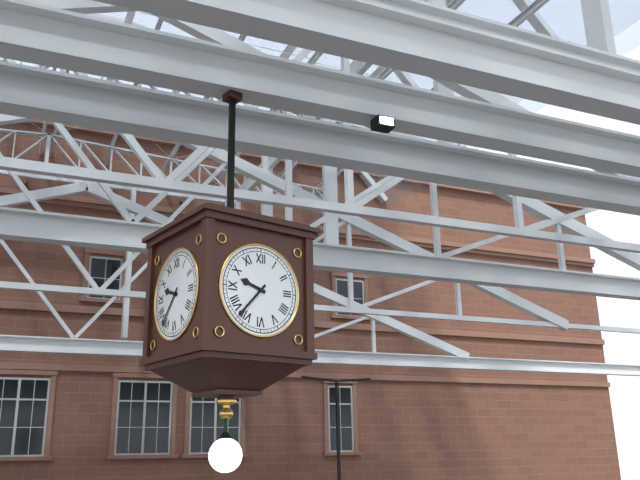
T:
9:37
